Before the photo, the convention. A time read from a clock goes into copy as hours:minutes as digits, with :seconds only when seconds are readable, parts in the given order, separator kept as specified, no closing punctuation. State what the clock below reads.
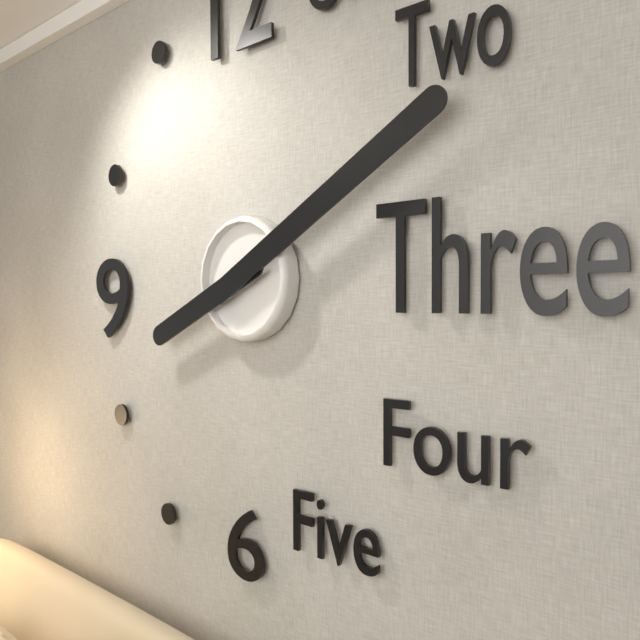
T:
8:10
